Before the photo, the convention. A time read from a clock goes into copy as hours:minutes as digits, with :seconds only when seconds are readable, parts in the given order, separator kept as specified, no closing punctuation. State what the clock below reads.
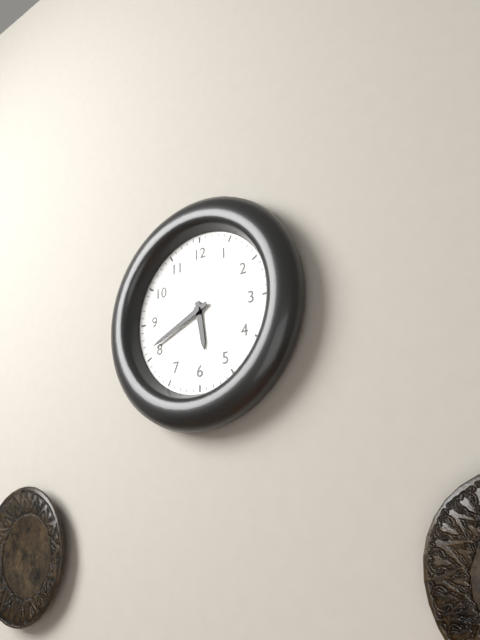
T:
5:41
